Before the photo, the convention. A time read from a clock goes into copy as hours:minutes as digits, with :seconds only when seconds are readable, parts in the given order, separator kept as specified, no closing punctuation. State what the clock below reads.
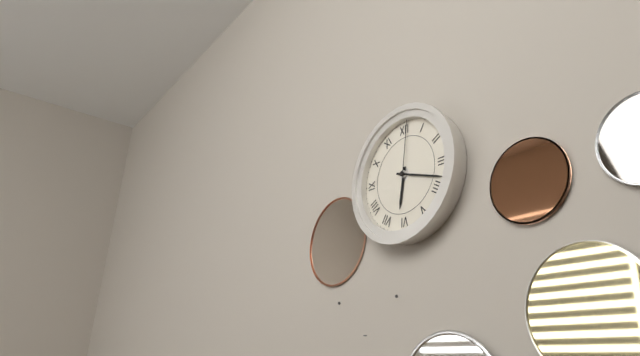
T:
6:18:01
